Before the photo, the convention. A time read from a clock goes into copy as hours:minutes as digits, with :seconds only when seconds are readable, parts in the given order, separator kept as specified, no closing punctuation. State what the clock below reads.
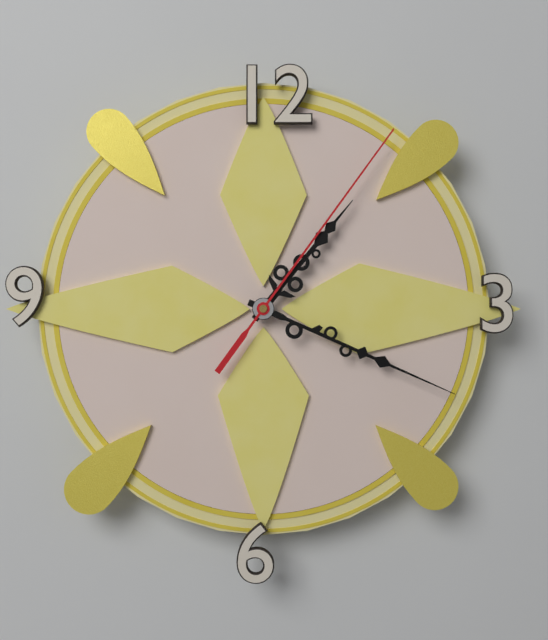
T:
1:19:06
